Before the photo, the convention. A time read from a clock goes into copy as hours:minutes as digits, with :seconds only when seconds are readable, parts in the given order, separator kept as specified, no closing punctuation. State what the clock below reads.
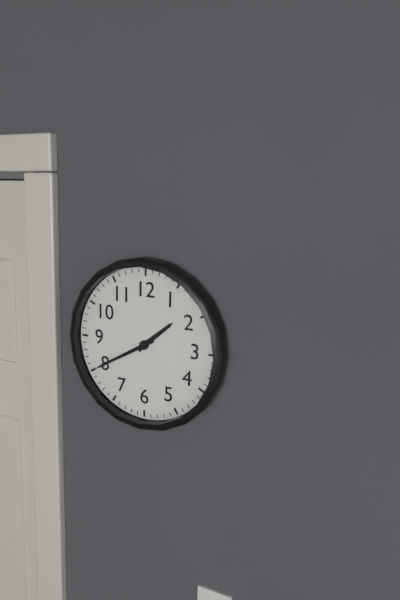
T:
1:40
